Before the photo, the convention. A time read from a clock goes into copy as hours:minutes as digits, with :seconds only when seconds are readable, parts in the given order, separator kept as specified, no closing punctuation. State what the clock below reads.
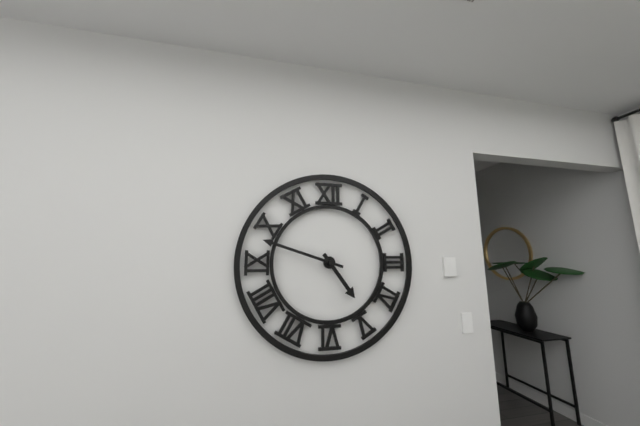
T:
4:48
